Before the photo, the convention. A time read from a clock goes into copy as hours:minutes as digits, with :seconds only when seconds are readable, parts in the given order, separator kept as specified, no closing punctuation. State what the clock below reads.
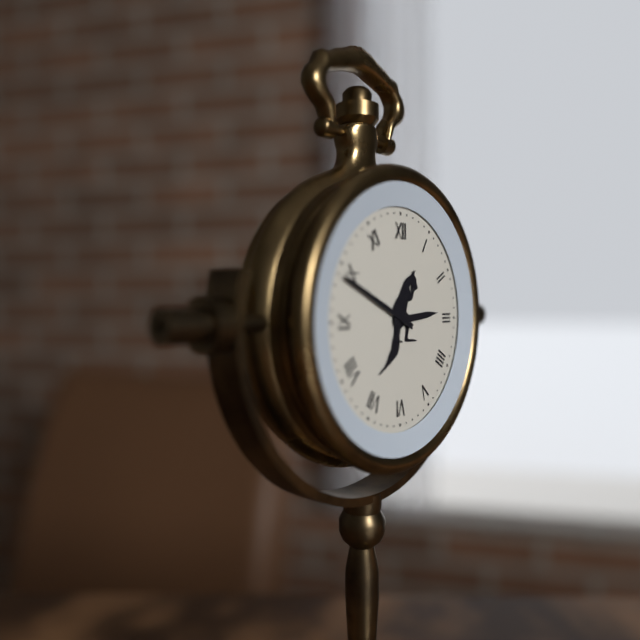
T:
2:49
